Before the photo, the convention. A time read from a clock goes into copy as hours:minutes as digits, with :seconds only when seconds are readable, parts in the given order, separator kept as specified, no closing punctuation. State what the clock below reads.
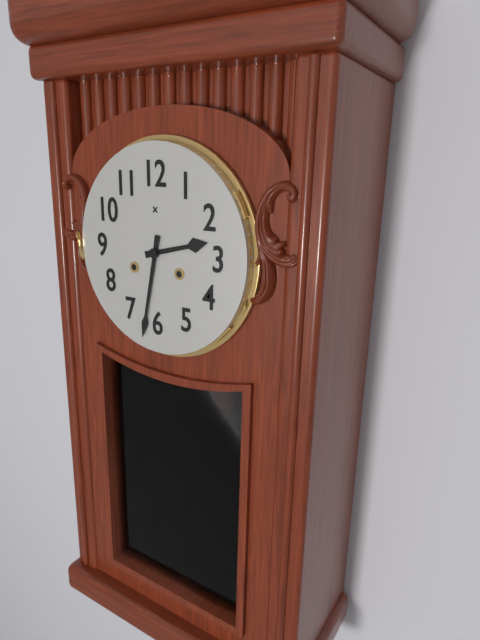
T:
2:32
